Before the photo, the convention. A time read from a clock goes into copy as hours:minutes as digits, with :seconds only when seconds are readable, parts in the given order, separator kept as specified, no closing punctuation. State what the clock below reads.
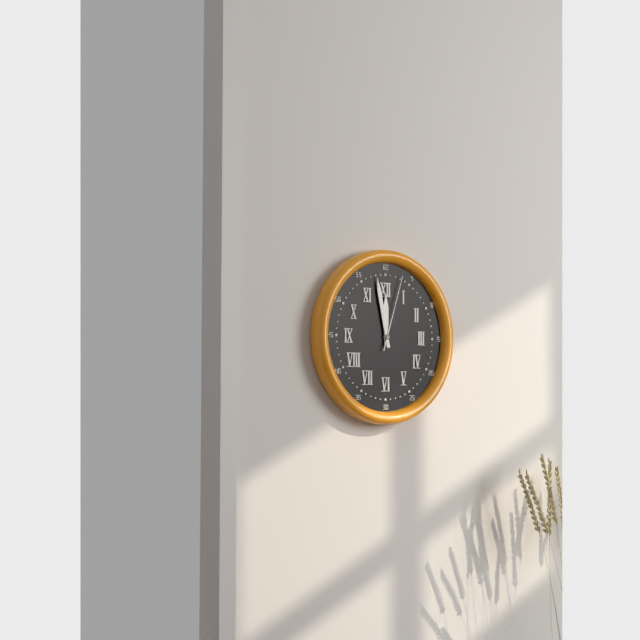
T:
11:58:03
